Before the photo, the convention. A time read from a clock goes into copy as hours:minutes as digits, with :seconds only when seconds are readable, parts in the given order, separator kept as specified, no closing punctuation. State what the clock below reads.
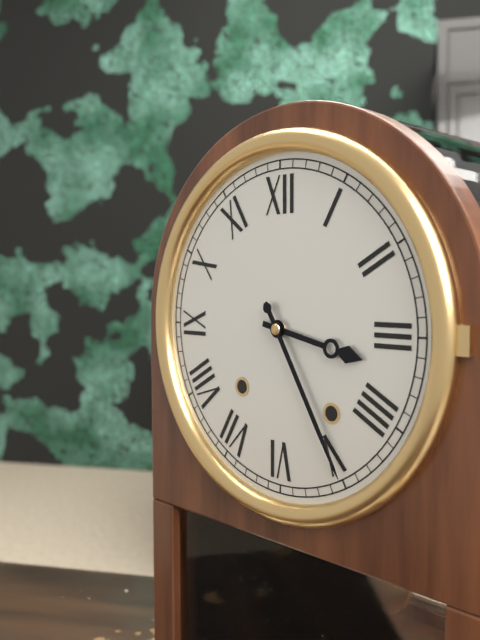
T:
3:25
